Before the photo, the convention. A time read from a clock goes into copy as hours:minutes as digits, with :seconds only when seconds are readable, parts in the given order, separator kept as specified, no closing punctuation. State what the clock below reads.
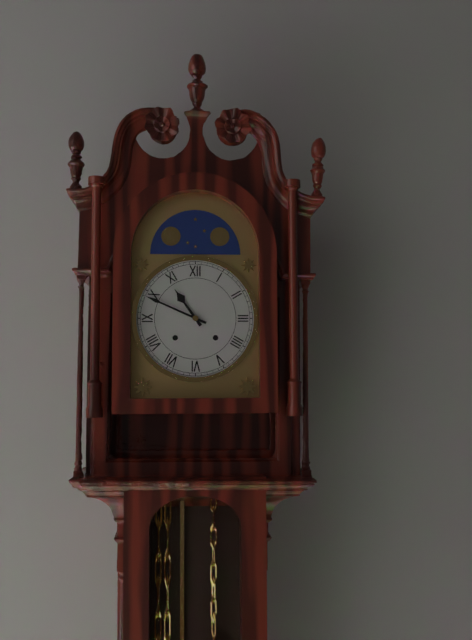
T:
10:49
